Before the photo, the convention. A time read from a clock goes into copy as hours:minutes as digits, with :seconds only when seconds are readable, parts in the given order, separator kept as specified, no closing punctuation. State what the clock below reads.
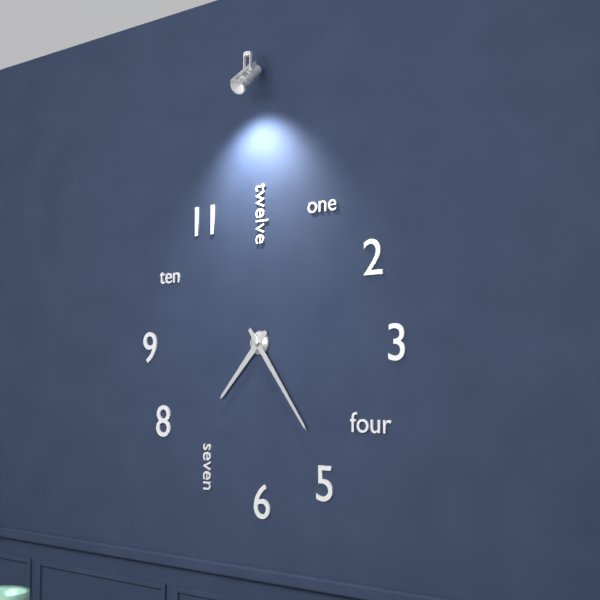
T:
7:24
